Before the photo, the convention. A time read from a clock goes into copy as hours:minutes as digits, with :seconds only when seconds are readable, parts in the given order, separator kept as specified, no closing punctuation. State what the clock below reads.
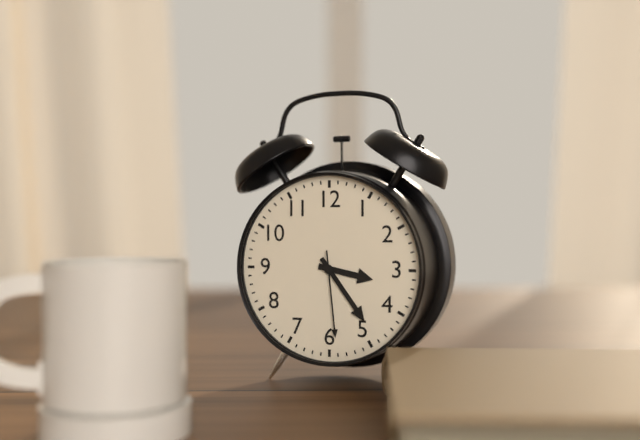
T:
3:24:29
